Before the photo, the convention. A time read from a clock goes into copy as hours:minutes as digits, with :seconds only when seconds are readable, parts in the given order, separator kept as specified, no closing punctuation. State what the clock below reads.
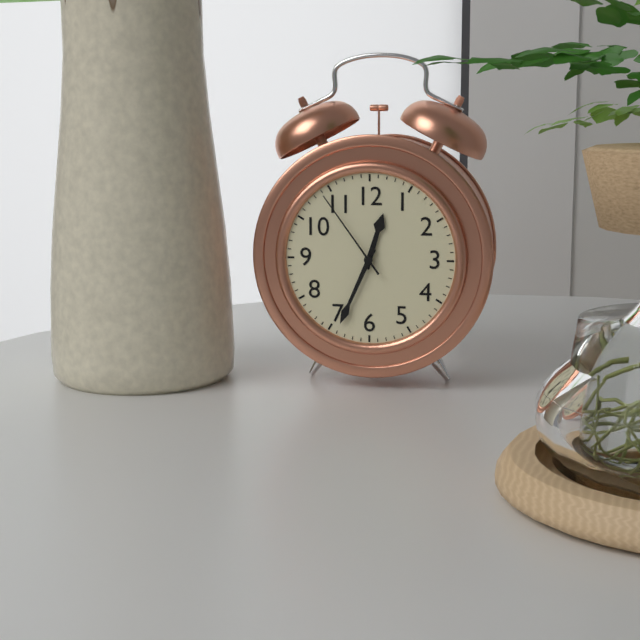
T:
12:34:54
